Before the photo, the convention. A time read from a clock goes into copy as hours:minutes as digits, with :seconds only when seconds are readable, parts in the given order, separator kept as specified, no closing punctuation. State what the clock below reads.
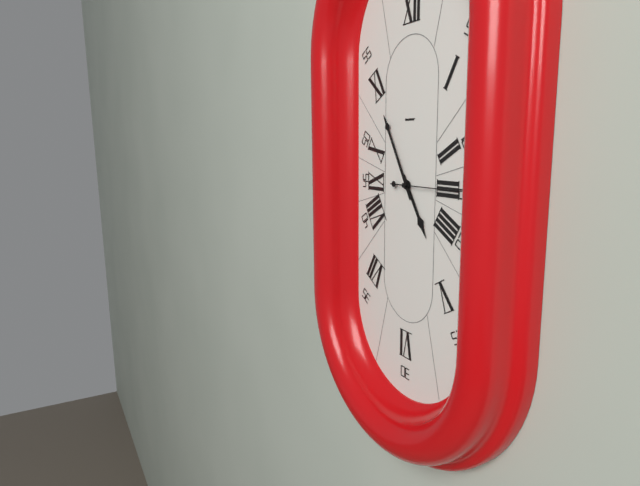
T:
4:55:15
